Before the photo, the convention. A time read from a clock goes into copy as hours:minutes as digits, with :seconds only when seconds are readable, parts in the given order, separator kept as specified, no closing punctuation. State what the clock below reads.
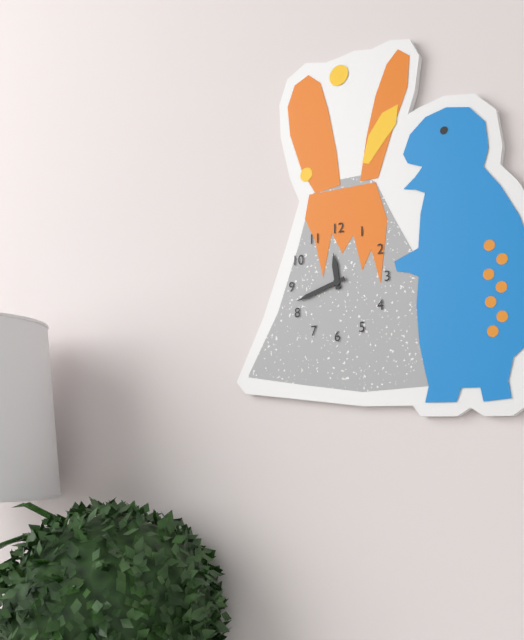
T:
11:42
